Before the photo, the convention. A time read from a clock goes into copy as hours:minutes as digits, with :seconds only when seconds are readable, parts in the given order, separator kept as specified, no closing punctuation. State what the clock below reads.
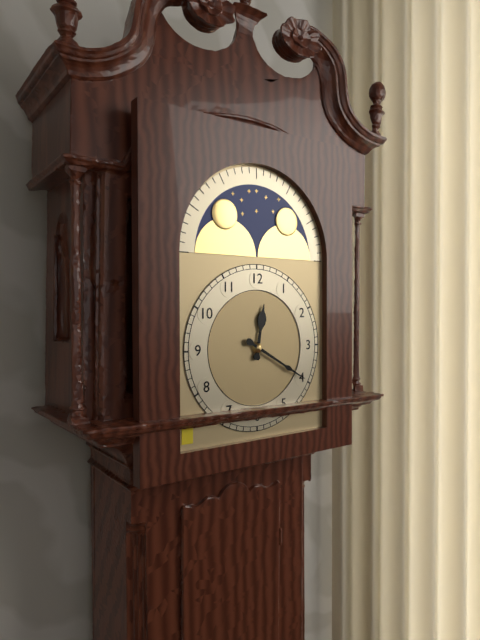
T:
12:20
